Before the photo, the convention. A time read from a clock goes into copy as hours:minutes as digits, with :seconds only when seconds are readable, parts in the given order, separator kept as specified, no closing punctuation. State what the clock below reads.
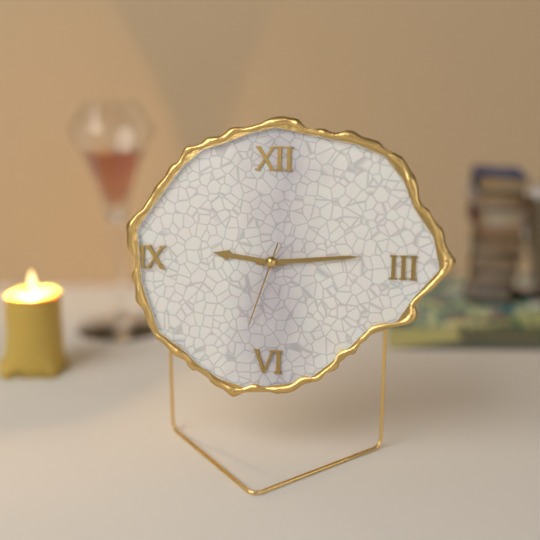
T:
9:14:33
